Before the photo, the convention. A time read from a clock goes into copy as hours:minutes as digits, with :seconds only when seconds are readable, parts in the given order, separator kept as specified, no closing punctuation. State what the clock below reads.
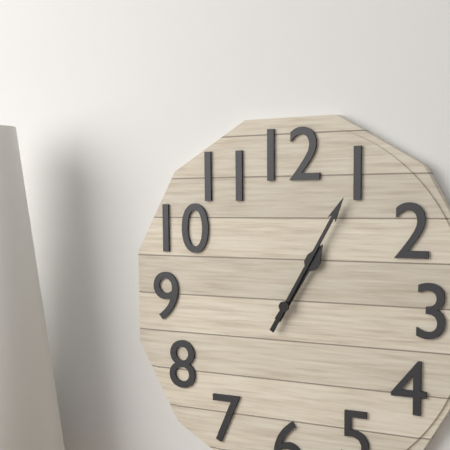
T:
1:05
